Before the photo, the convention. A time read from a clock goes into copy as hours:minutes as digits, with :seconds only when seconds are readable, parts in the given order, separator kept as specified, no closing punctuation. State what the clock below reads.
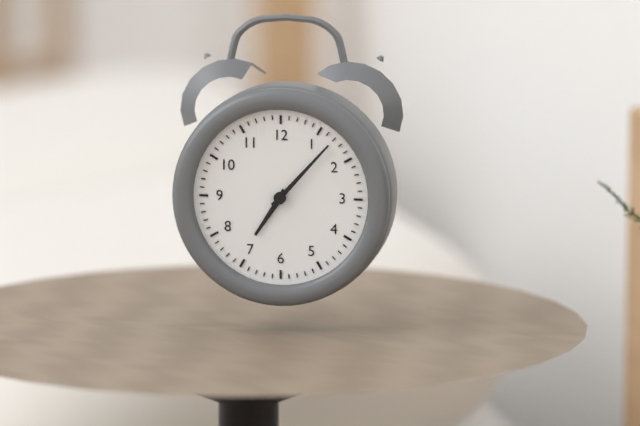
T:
7:07
